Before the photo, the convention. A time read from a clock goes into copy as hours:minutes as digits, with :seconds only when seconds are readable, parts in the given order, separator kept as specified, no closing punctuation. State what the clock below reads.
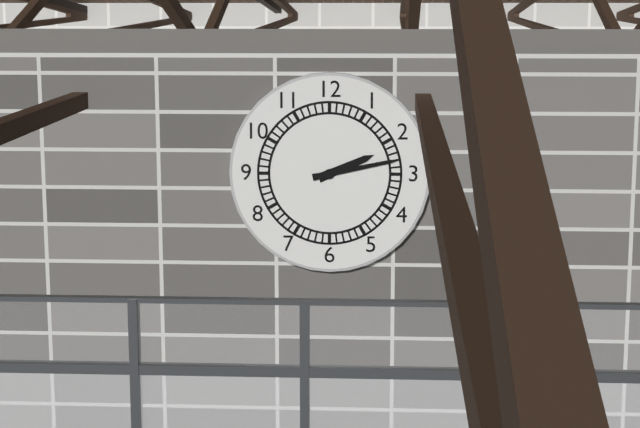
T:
2:13
